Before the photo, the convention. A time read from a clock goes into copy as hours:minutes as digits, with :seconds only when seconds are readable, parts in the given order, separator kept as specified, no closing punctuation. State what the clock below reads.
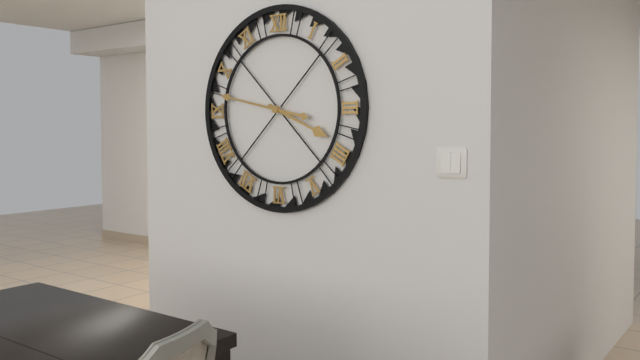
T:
3:47
